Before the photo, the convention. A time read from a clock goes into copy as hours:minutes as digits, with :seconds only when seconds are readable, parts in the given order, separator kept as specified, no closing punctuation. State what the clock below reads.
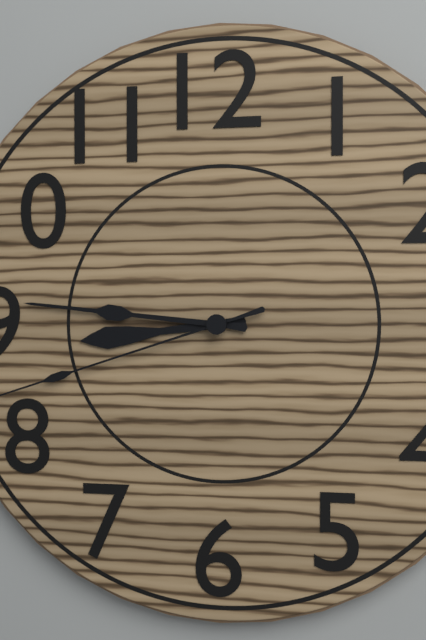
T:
8:46
